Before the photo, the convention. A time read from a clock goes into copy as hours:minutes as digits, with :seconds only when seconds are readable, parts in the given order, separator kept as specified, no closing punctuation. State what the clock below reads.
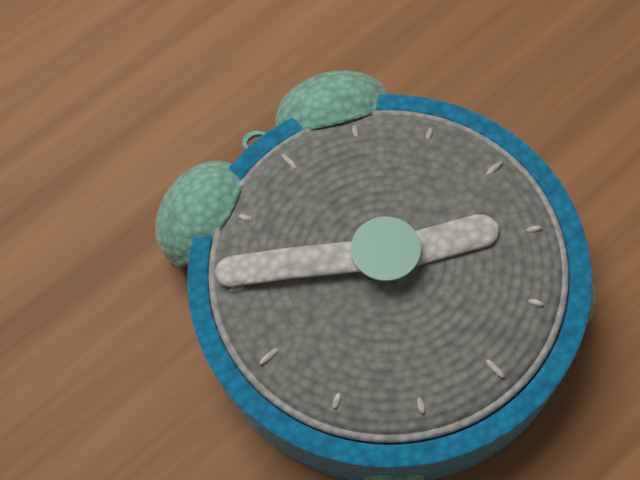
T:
3:51
